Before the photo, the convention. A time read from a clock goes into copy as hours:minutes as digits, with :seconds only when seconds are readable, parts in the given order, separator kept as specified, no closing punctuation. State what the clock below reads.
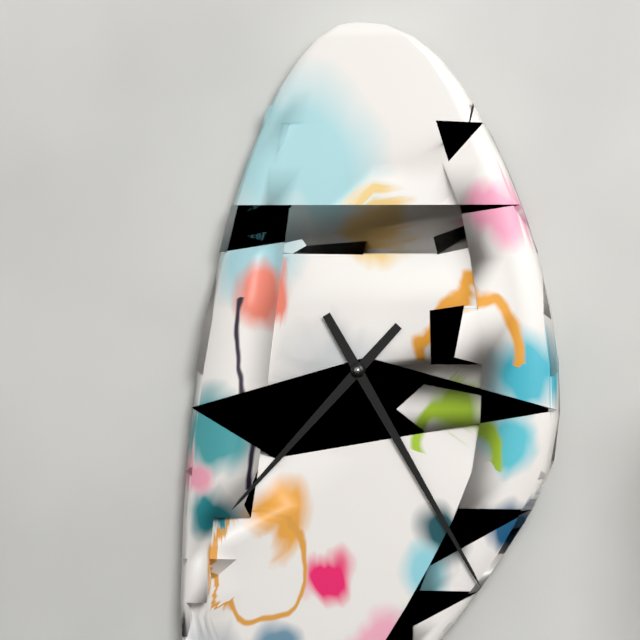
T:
7:25
